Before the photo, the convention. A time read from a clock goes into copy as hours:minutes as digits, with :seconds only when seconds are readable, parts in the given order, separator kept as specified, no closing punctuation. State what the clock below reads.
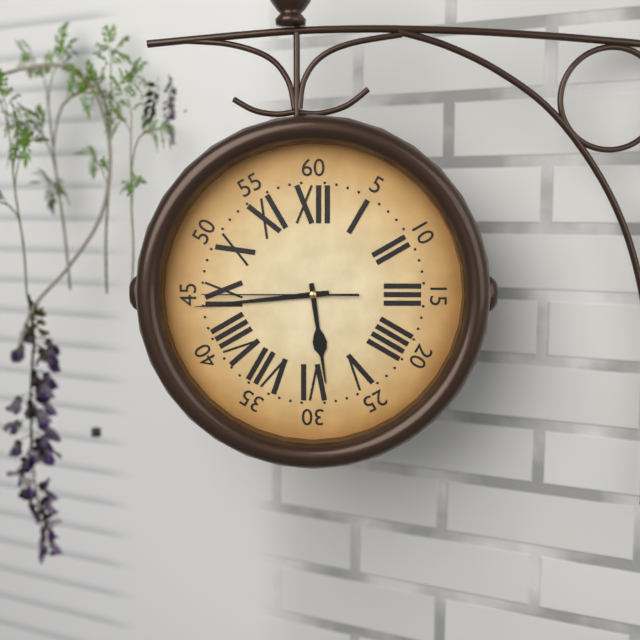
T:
5:44:45
